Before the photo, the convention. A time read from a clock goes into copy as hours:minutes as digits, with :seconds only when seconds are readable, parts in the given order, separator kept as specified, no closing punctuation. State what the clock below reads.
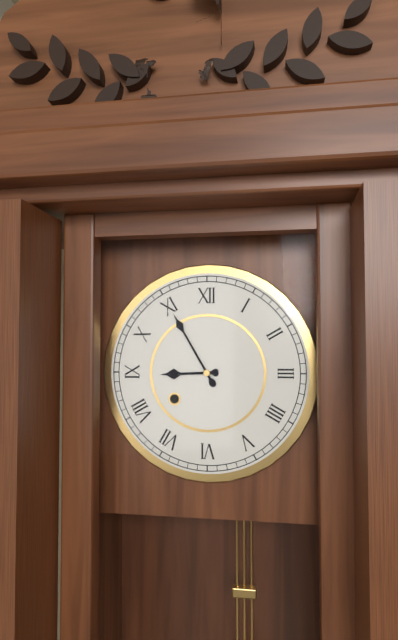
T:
8:55
